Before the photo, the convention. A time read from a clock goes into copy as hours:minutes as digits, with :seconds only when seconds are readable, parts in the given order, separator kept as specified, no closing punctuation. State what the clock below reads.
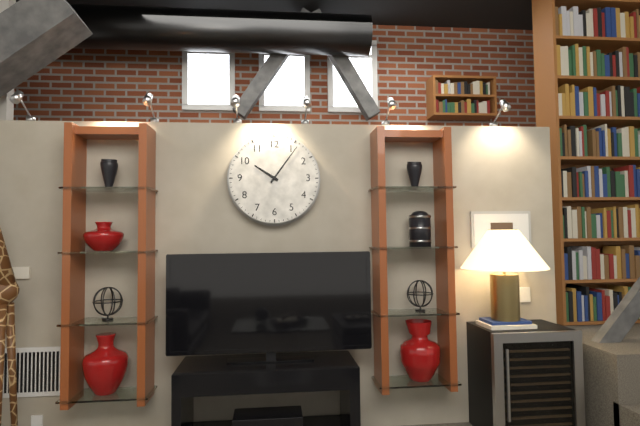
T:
10:06
